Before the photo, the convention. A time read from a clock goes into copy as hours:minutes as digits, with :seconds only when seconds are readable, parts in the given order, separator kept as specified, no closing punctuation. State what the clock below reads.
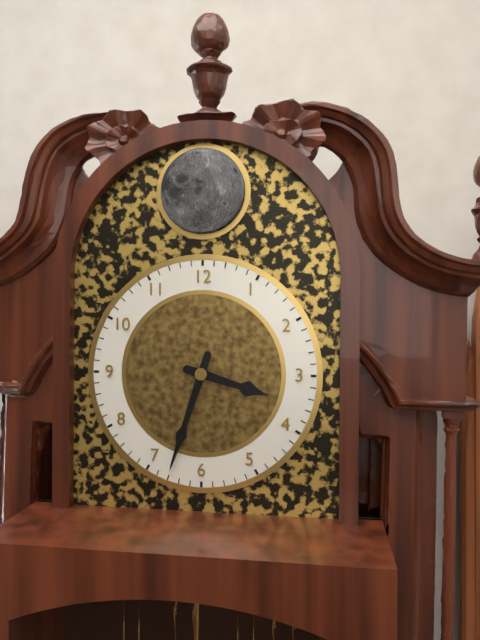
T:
3:33
